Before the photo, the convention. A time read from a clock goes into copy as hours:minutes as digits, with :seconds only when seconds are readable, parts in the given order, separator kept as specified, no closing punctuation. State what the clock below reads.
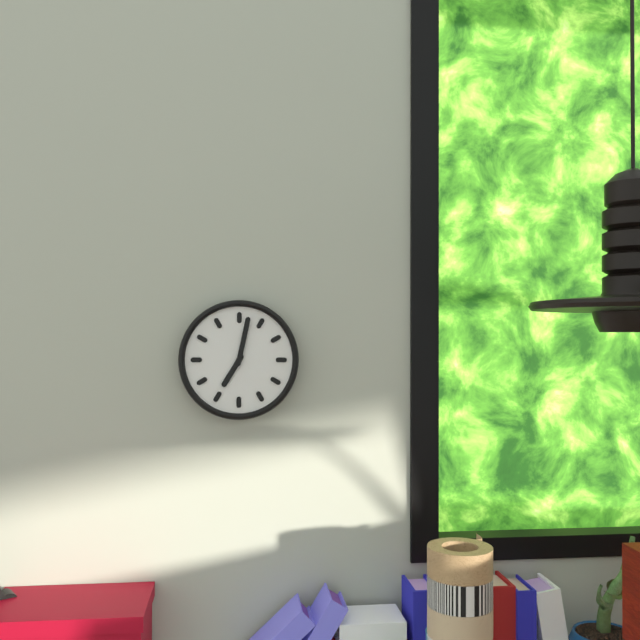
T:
7:02
